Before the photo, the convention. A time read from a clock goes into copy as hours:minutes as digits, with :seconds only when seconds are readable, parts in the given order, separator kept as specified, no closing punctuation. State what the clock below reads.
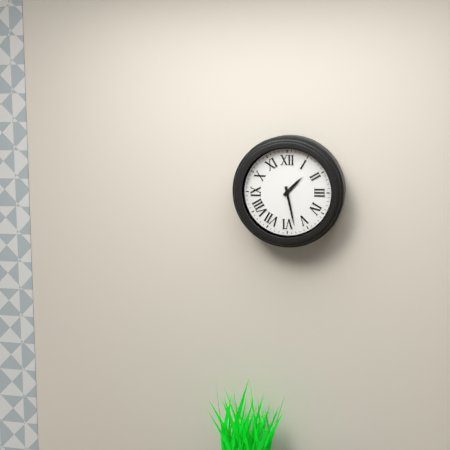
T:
1:28
